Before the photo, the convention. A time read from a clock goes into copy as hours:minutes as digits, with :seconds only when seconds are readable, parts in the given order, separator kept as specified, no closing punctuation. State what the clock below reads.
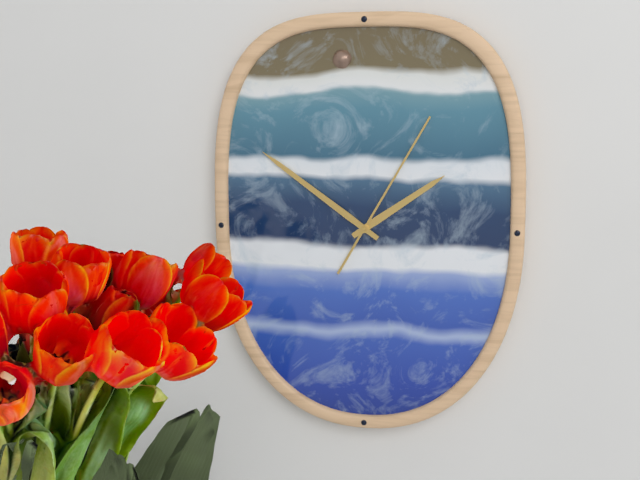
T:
1:51:05
